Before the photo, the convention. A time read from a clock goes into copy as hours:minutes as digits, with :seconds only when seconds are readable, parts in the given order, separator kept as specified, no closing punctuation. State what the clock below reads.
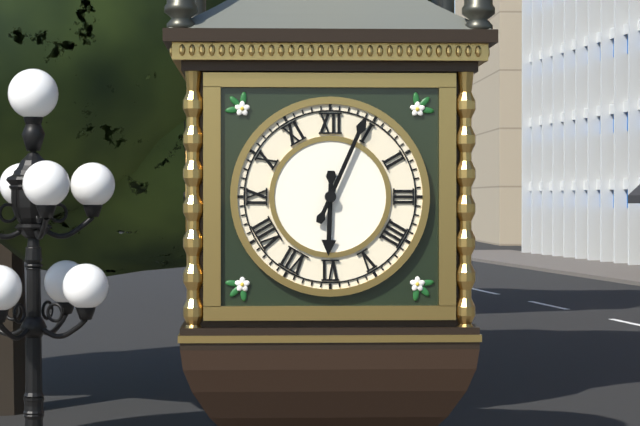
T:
6:04
